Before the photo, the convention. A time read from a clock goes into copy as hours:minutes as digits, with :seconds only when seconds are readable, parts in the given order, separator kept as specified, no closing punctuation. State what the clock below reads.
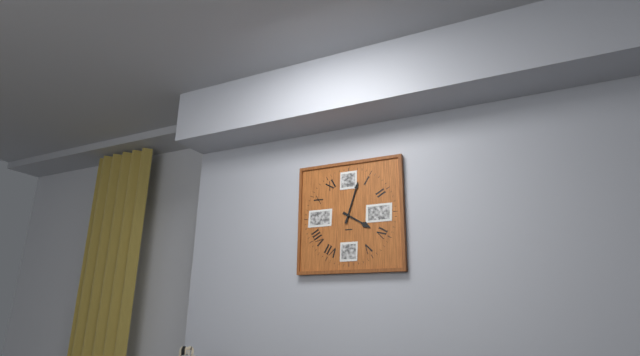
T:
4:03
